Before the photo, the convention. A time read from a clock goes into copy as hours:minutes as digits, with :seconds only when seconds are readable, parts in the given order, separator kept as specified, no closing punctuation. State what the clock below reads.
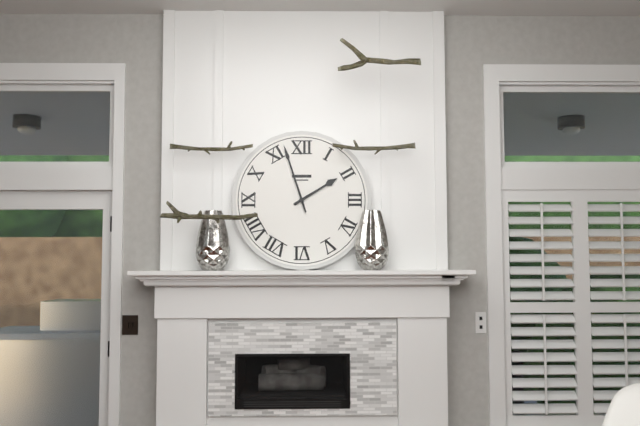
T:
1:57
